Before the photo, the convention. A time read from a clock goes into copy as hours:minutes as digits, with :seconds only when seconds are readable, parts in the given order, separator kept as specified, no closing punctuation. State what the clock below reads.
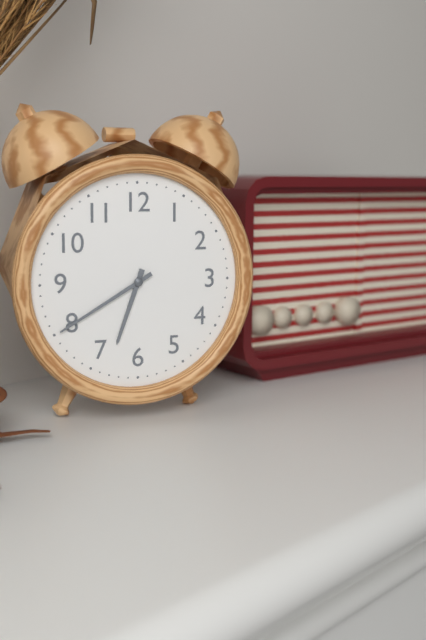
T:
6:40
